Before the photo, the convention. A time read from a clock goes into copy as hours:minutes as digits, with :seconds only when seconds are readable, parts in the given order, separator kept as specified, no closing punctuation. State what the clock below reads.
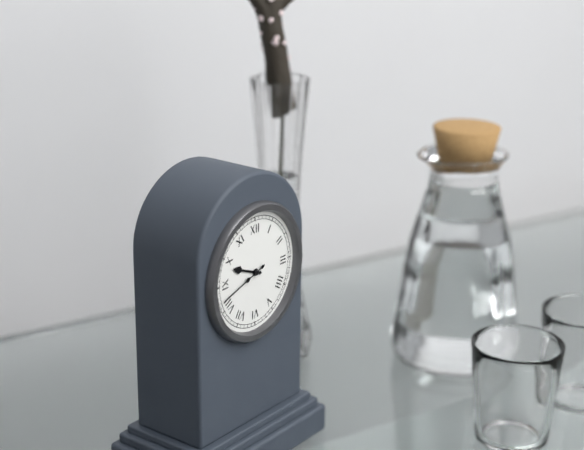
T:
9:42
